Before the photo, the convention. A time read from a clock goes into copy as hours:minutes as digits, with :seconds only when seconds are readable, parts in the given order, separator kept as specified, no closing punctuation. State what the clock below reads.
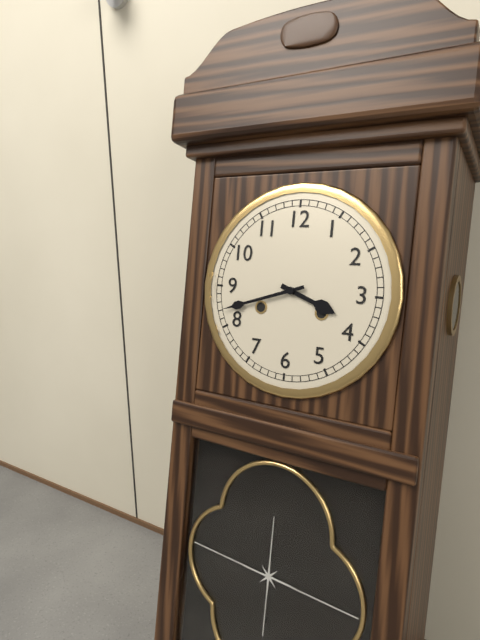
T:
3:42
